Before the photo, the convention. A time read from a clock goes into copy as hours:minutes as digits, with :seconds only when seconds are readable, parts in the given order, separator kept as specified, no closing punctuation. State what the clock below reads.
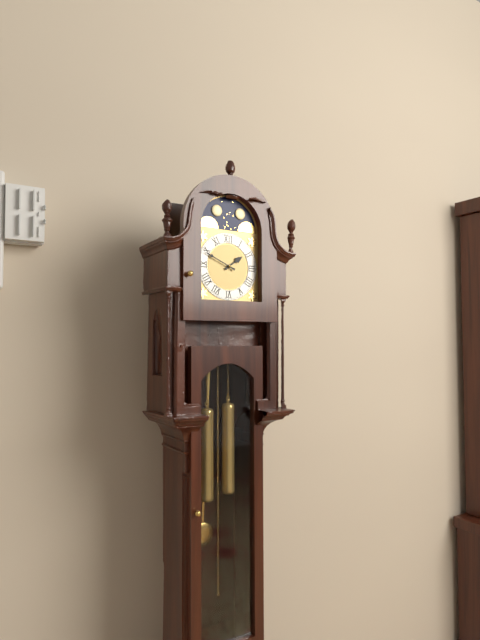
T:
1:49
